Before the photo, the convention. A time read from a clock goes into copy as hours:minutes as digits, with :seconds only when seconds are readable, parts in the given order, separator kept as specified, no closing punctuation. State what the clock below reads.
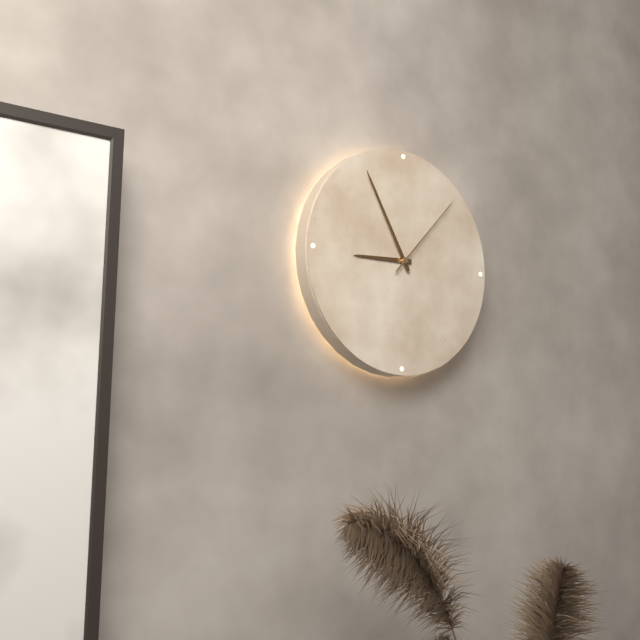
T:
8:55:07
